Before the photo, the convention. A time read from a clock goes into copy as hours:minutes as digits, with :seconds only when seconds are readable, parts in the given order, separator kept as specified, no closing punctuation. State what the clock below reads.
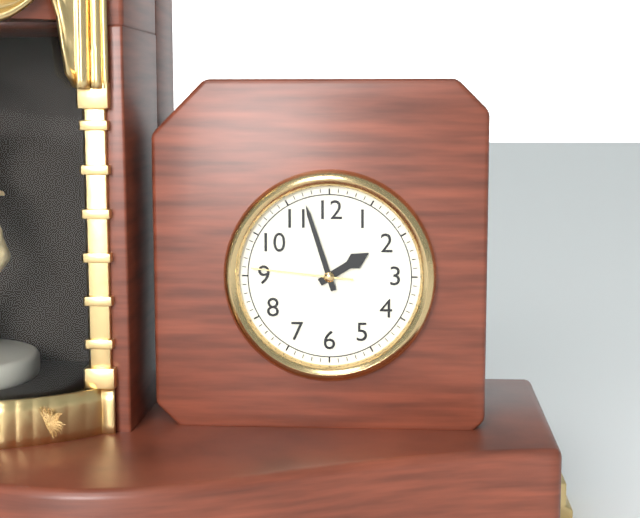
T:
1:57:46
